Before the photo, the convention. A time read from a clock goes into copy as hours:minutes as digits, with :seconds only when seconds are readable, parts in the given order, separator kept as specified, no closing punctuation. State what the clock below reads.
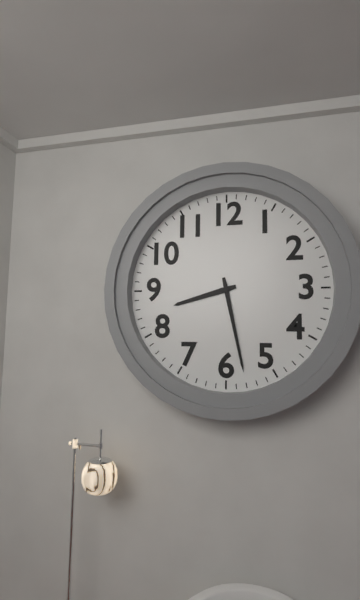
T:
8:28
